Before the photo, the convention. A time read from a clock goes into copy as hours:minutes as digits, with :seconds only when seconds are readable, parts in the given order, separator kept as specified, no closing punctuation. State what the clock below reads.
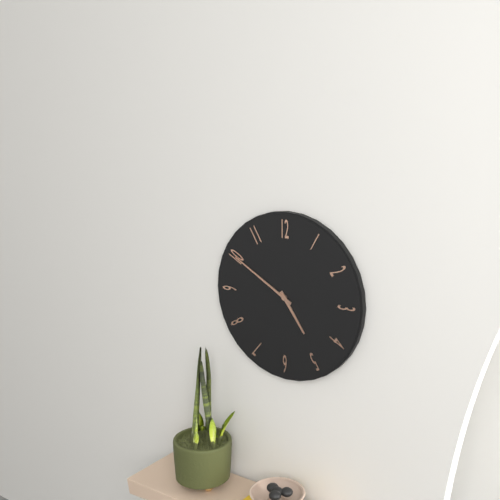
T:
4:50
